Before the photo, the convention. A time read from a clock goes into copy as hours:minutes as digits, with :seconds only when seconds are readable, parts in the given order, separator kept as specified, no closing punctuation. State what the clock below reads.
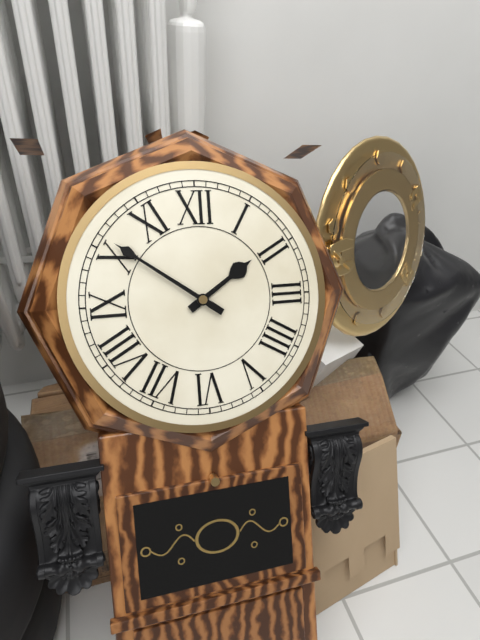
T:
1:51
